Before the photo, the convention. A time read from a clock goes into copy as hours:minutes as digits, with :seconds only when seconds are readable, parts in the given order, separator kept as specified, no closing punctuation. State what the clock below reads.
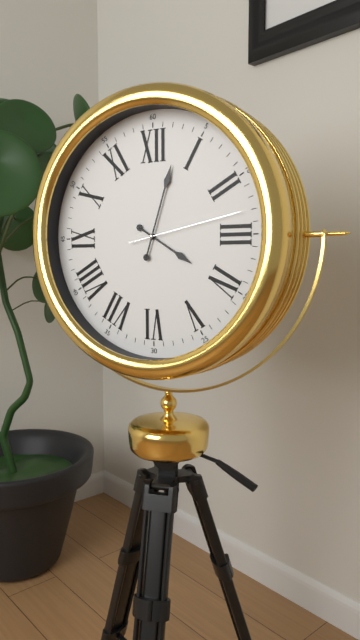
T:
4:03:13
